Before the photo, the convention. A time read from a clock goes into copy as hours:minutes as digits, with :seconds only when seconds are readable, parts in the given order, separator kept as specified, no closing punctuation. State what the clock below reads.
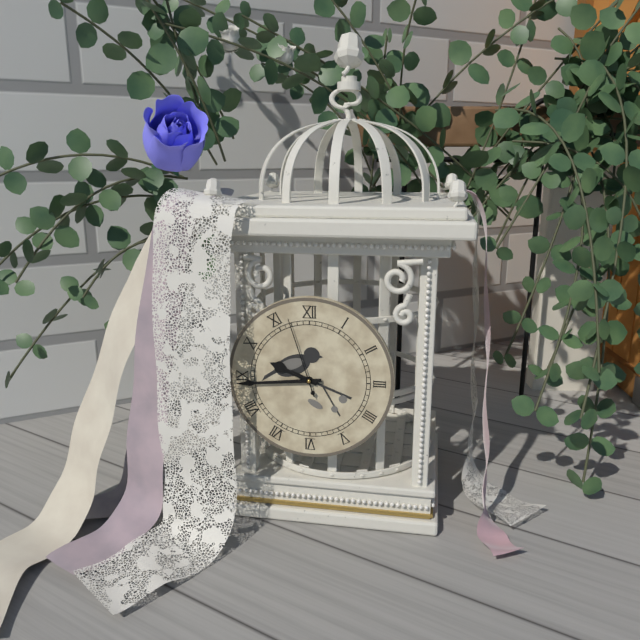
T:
9:44:57
